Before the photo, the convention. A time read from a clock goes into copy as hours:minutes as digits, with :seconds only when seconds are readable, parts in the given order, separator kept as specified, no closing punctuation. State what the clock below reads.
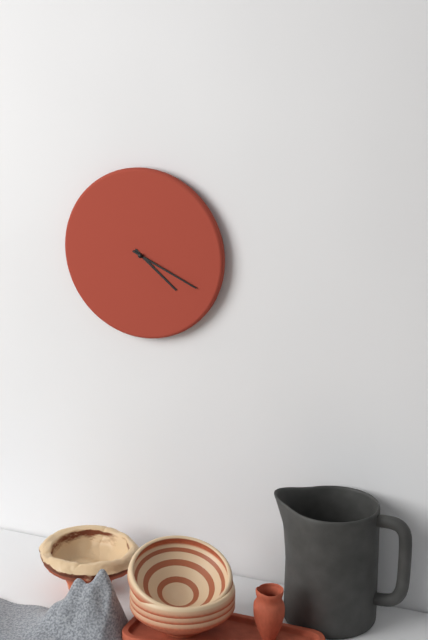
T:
4:19
